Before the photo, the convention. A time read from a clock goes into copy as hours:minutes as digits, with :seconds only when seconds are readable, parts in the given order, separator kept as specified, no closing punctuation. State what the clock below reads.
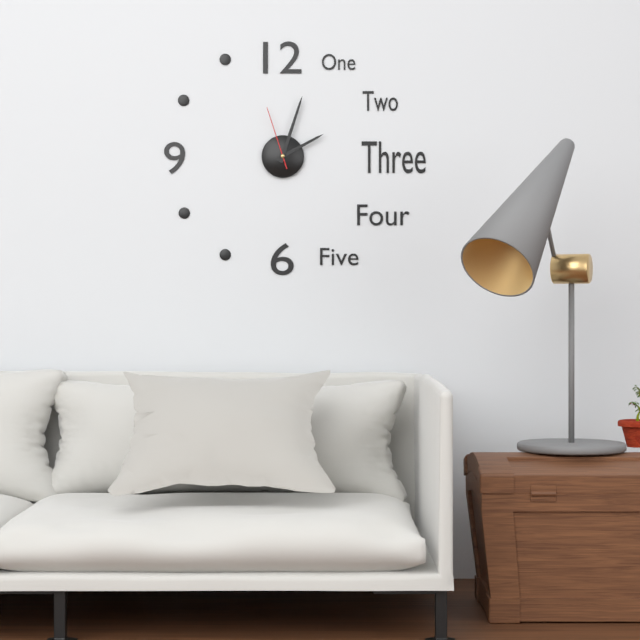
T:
2:03:57
